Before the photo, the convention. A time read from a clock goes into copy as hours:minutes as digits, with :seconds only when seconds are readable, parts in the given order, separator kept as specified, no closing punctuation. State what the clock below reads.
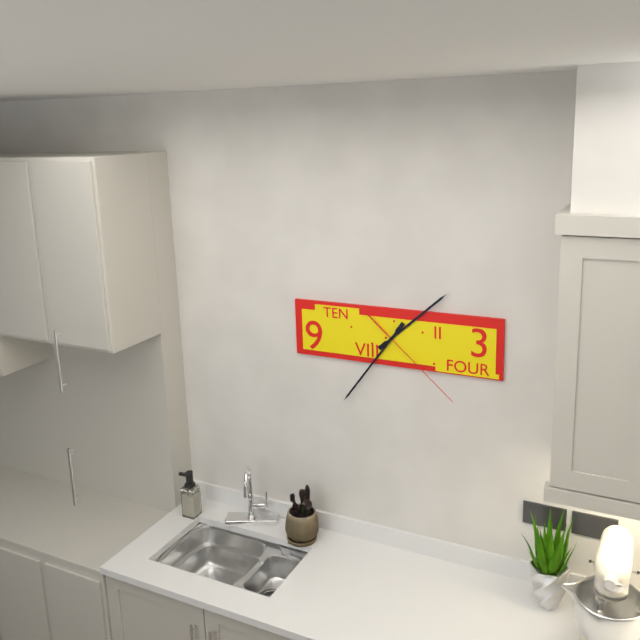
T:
1:36:22
